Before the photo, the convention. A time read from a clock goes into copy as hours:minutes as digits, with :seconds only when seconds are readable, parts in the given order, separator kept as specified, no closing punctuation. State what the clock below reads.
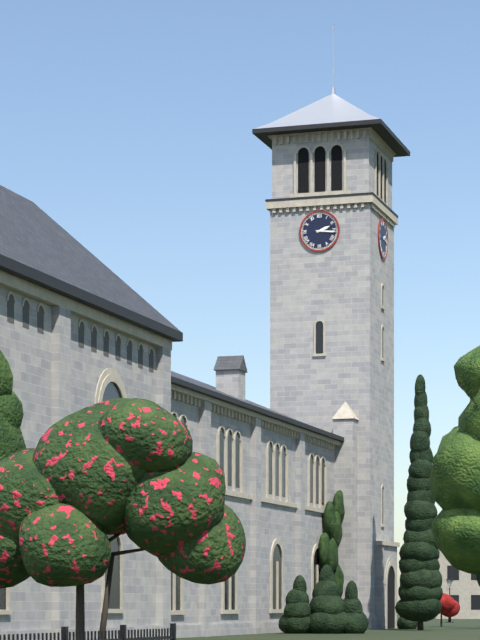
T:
2:16
